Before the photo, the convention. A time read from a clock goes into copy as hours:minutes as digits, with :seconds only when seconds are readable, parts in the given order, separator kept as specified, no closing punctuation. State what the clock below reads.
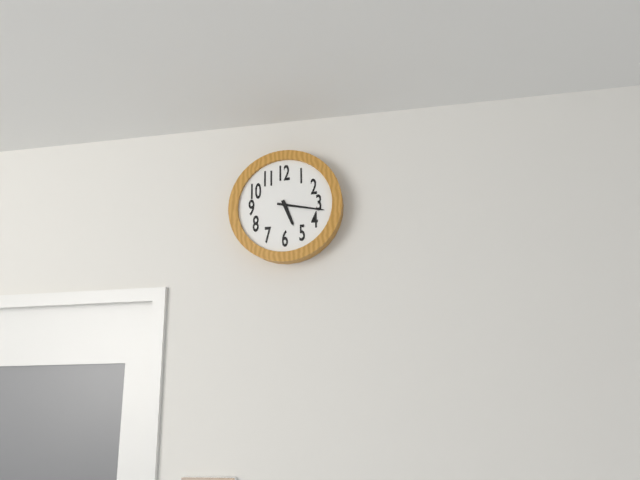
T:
5:17
